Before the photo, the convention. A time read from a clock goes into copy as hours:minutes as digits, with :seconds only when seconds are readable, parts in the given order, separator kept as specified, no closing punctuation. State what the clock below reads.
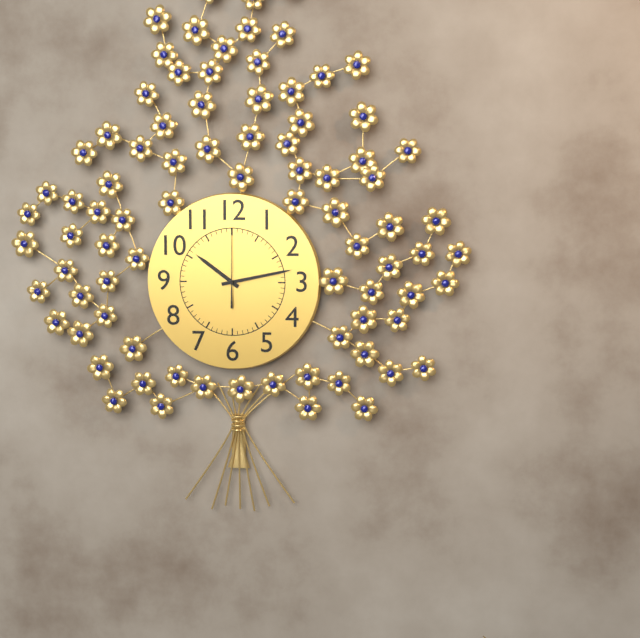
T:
10:13:00
